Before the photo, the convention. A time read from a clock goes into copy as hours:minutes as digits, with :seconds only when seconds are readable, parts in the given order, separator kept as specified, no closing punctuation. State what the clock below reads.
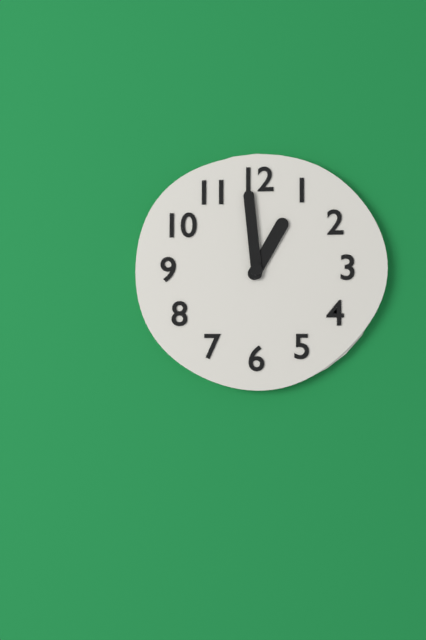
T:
12:59
